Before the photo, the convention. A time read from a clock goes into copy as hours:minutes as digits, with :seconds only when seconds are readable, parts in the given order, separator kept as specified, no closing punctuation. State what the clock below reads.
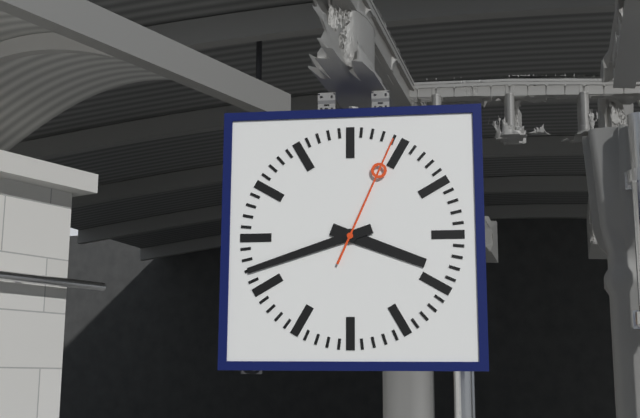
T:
3:42:04
